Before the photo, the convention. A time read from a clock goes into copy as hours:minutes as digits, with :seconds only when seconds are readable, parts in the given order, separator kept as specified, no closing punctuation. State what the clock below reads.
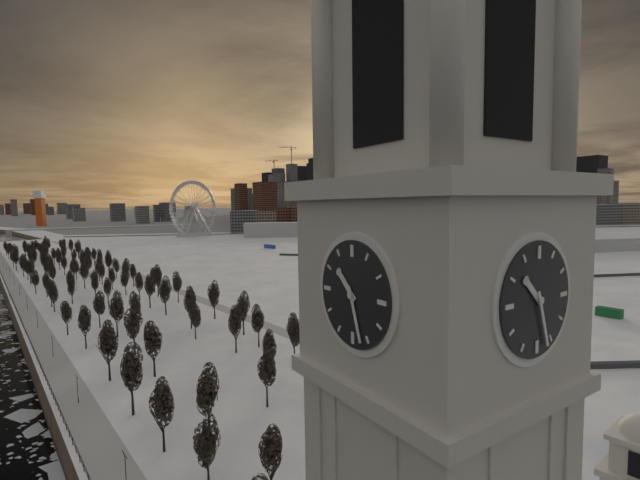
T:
10:27
